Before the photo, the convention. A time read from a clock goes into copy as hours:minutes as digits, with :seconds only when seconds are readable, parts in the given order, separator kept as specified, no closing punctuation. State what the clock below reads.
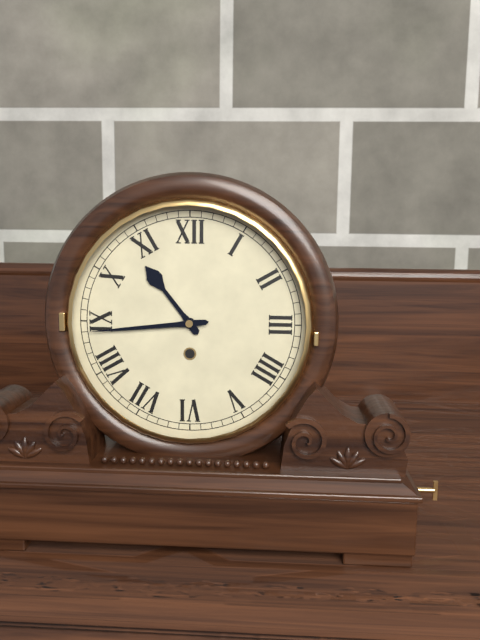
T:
10:44
